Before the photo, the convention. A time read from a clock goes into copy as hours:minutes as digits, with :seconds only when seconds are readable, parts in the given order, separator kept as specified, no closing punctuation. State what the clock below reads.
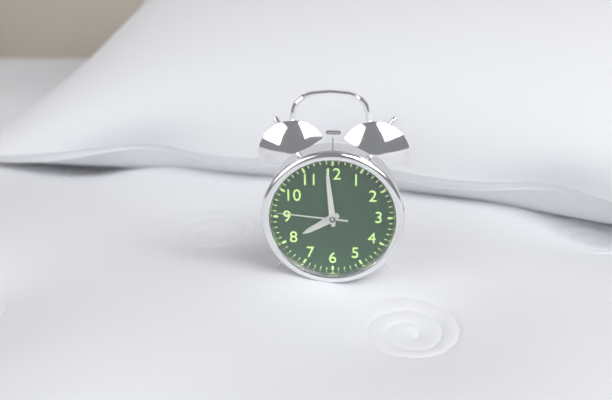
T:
7:59:46
